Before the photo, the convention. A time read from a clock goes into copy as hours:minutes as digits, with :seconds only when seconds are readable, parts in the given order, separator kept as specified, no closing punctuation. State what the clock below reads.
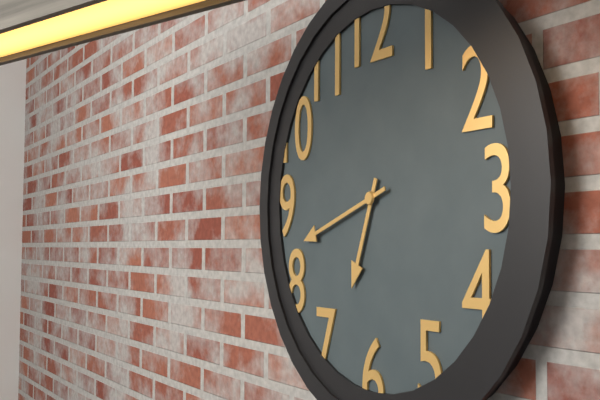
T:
6:42
